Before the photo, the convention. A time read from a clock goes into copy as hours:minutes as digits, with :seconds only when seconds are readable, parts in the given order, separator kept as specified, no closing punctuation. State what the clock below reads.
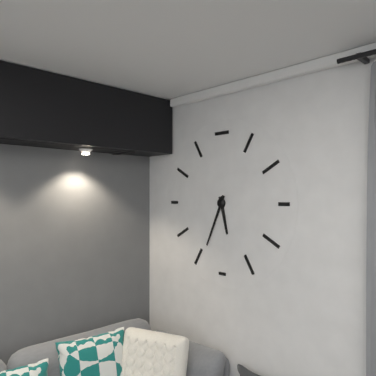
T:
5:34
